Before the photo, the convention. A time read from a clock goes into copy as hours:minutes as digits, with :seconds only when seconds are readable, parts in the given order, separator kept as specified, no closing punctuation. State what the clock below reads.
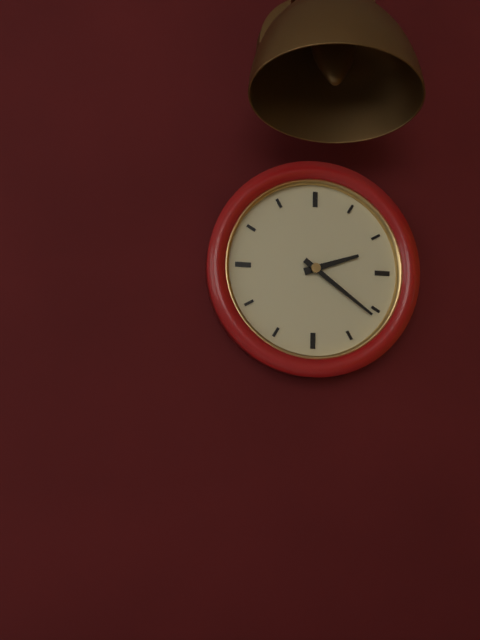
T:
2:21
